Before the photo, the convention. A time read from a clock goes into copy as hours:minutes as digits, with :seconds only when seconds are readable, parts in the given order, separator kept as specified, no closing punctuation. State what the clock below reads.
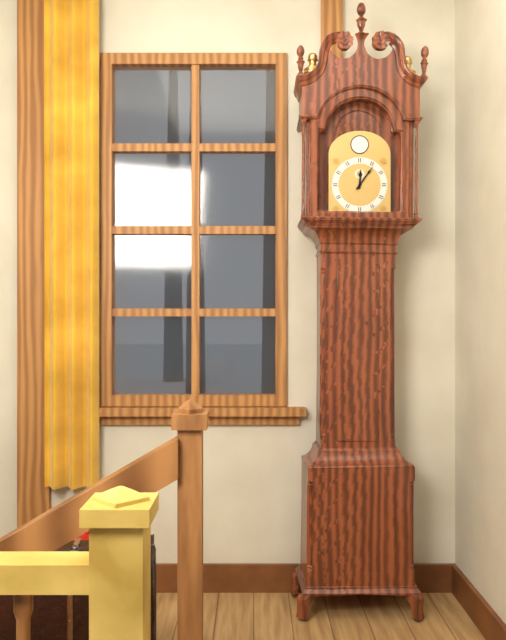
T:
12:06
